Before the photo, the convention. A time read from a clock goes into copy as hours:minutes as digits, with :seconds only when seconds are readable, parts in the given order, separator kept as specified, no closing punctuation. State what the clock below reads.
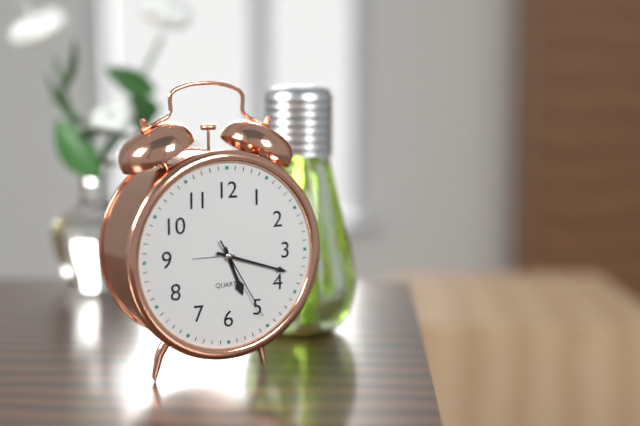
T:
5:18:25
